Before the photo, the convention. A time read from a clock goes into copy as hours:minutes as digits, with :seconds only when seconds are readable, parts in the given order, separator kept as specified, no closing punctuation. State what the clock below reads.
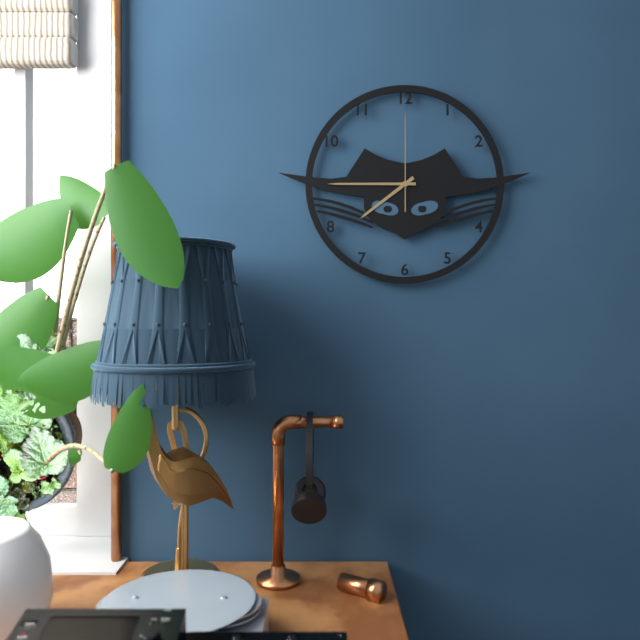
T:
7:45:00
